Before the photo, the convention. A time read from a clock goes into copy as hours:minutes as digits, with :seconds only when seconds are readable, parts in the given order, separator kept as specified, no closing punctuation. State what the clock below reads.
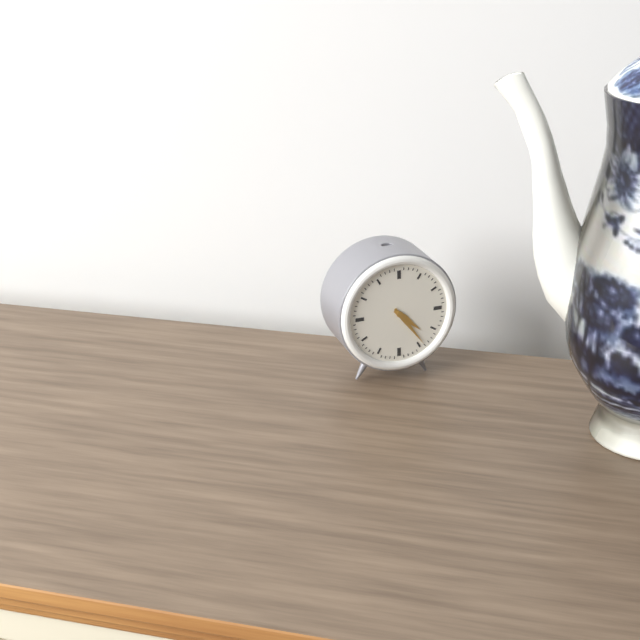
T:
4:24
